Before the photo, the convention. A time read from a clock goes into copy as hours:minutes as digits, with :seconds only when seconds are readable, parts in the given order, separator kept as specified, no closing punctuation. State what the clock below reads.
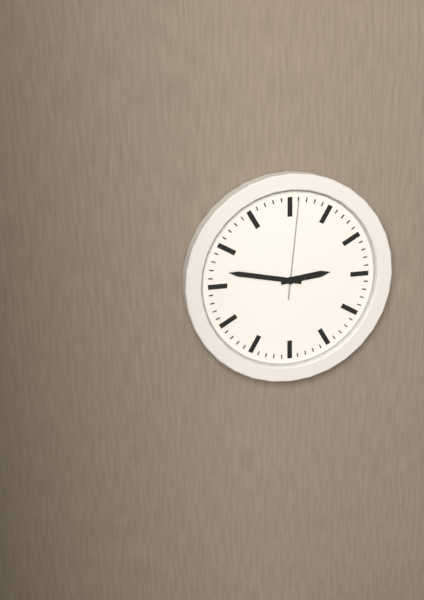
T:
2:47:01
